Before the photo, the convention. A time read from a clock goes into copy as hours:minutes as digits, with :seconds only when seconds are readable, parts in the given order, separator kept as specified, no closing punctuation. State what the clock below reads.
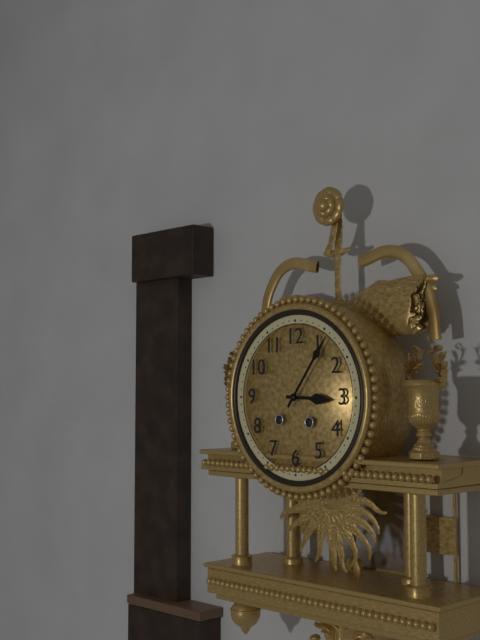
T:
3:06
